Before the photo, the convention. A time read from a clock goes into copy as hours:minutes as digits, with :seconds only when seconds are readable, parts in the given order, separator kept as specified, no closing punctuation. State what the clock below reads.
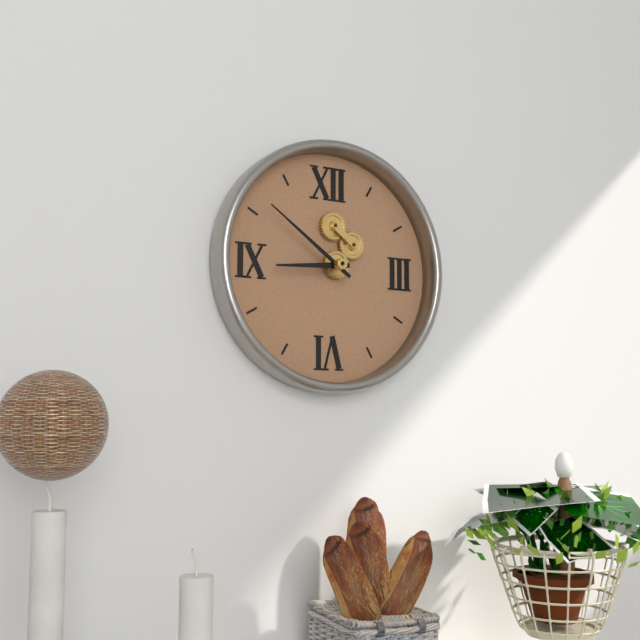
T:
8:51
